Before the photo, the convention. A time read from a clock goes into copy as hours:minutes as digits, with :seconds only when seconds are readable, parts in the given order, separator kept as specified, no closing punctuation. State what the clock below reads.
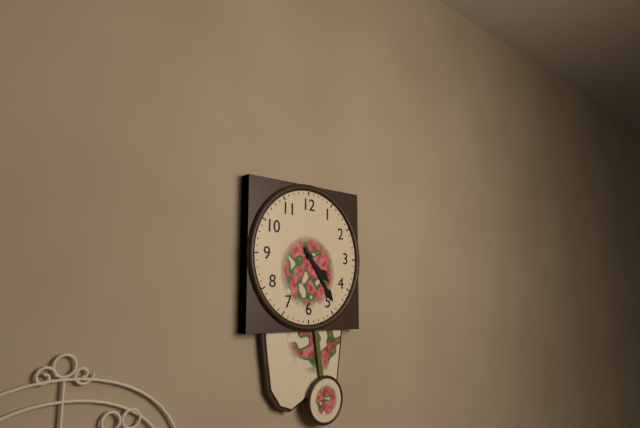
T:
4:24
